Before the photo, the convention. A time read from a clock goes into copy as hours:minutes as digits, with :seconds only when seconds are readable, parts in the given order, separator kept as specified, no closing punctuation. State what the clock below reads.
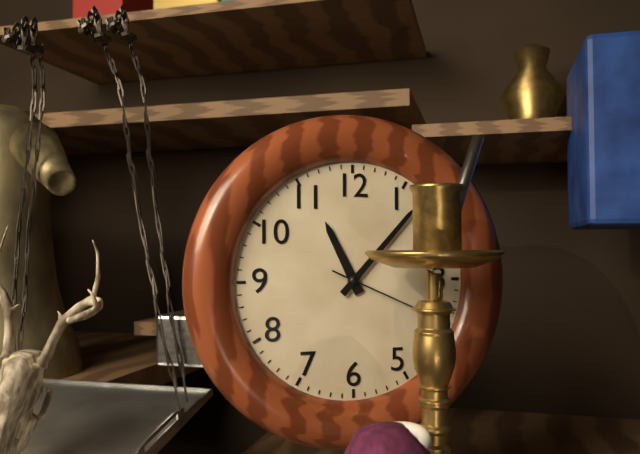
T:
11:07
